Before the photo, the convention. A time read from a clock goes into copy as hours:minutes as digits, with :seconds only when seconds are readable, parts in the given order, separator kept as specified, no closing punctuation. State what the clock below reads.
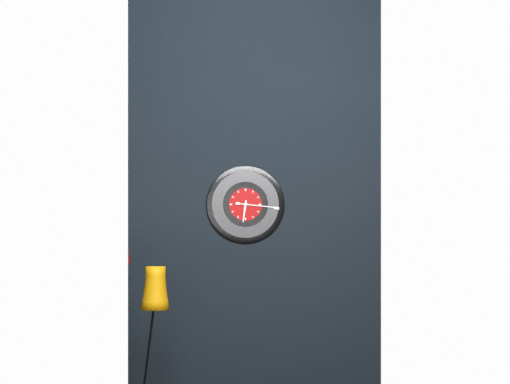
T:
6:16
